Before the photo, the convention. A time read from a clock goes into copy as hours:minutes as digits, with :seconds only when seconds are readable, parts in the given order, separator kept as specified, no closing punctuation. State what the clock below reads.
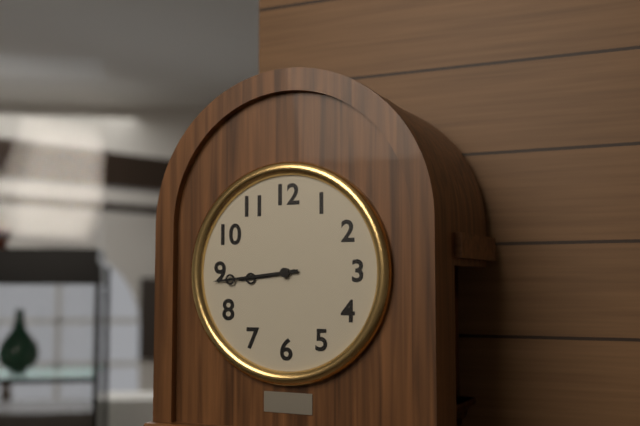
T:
8:44
